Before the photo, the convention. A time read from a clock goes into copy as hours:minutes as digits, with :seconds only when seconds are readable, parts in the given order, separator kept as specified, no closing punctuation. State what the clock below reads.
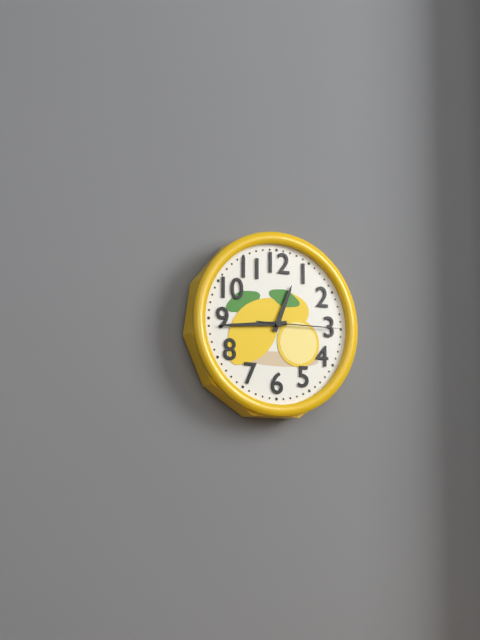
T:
12:44:15
